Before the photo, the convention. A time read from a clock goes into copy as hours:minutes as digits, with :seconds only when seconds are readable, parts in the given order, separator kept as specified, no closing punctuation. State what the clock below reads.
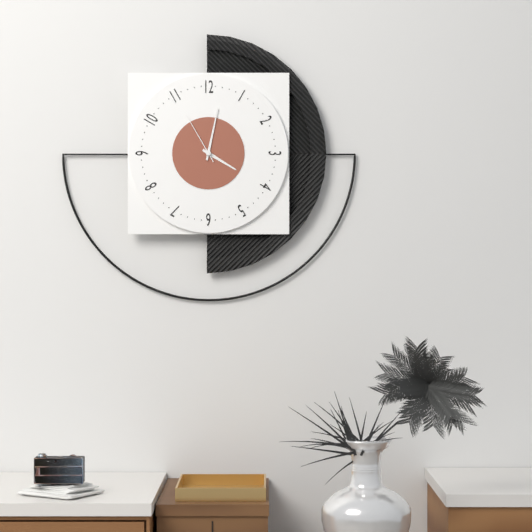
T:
4:02:55
